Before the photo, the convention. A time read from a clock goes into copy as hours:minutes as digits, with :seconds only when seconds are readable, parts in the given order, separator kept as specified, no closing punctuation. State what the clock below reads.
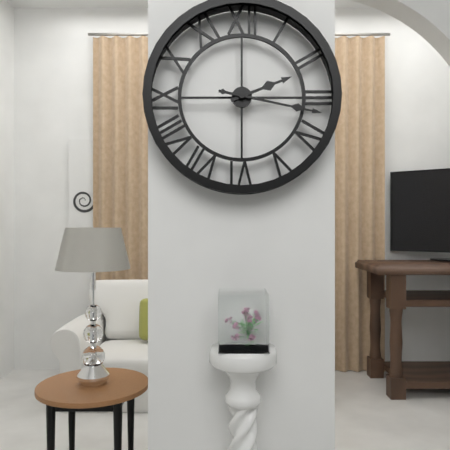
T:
2:17
